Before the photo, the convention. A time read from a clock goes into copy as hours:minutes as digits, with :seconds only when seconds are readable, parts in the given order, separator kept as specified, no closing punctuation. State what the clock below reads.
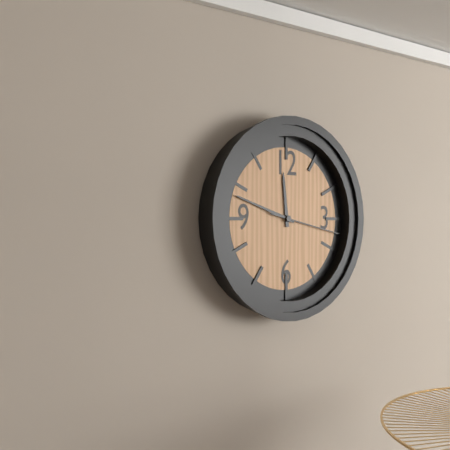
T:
11:48:17
